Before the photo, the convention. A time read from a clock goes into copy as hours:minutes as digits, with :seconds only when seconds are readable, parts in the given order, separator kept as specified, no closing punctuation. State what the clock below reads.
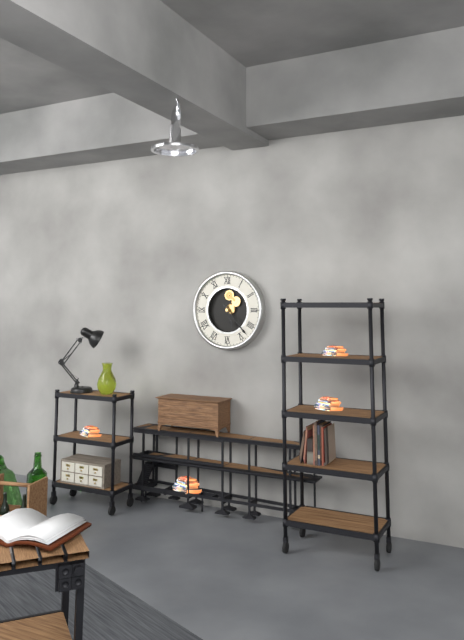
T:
5:23
